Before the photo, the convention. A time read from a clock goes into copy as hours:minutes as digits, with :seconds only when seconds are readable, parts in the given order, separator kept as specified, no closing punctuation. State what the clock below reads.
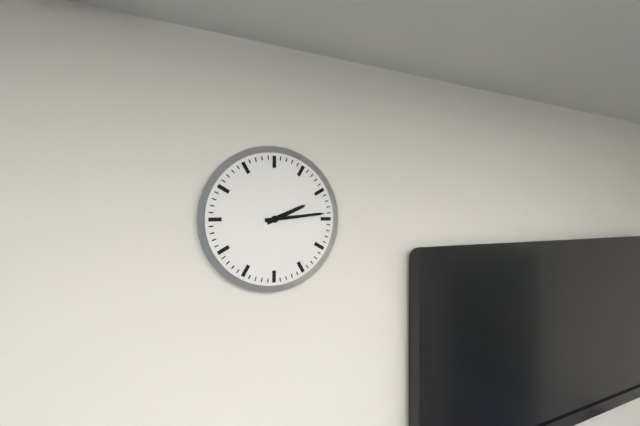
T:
2:14
